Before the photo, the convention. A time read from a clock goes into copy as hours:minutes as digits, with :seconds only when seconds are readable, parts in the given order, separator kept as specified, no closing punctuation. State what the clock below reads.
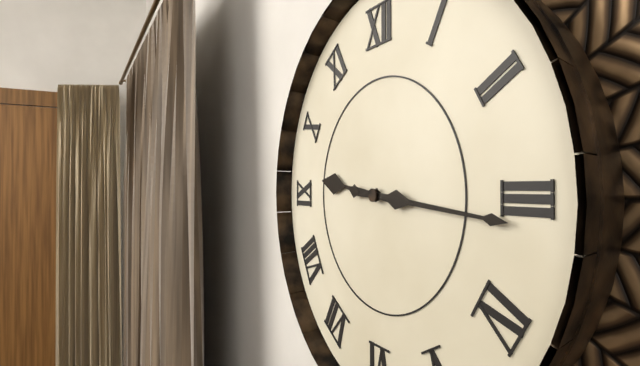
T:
9:16
